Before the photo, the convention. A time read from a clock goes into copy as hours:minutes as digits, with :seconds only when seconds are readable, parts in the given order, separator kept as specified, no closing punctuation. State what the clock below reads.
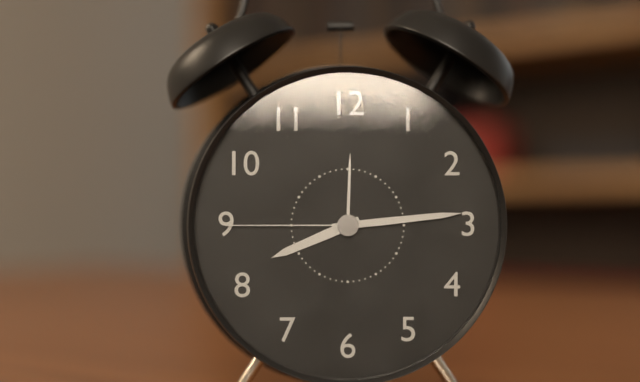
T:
8:14:45
